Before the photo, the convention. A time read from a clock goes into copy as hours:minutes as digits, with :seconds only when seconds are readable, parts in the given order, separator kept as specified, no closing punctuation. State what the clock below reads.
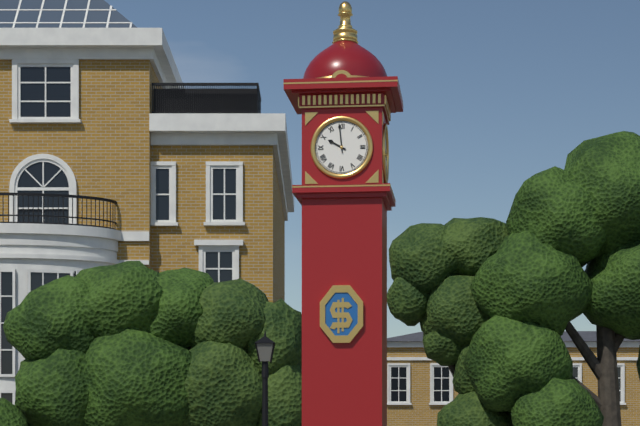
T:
9:59
